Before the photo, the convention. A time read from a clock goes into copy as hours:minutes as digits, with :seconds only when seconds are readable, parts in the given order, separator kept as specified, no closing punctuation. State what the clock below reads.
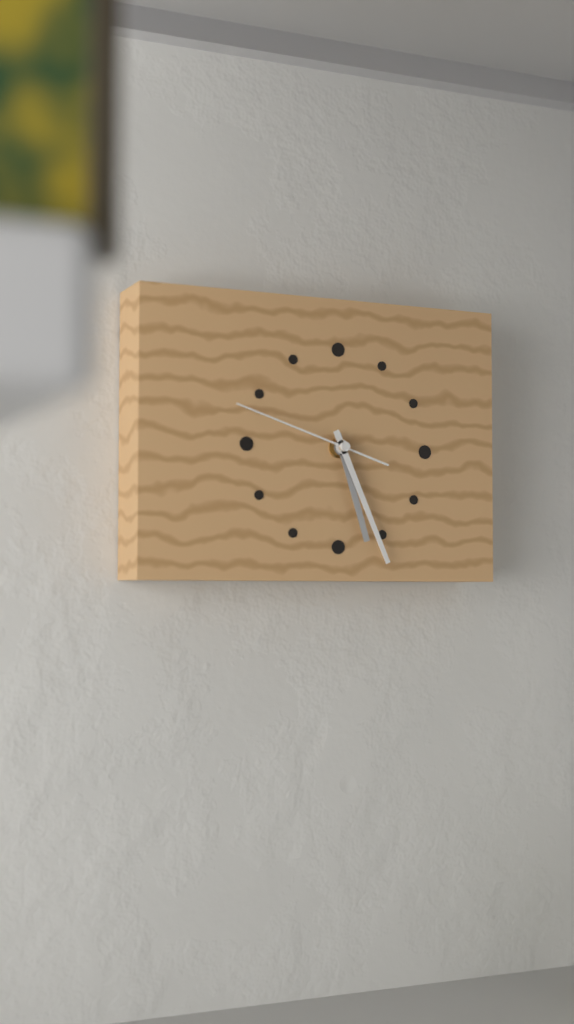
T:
5:26:48
